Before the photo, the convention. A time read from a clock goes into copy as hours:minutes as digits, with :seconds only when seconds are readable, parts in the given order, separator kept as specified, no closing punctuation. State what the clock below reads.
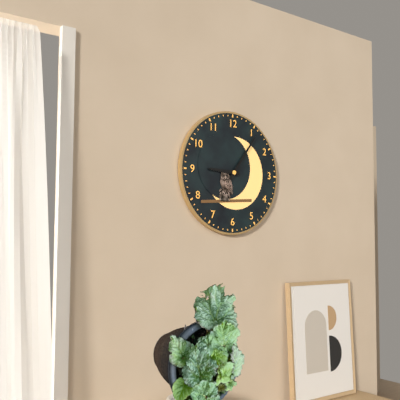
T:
9:06
